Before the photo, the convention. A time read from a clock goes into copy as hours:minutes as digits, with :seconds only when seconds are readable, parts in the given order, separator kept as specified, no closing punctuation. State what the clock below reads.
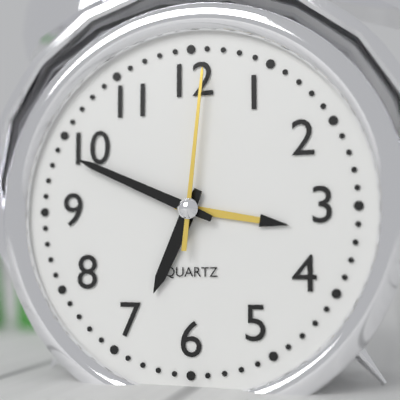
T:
6:49:01
